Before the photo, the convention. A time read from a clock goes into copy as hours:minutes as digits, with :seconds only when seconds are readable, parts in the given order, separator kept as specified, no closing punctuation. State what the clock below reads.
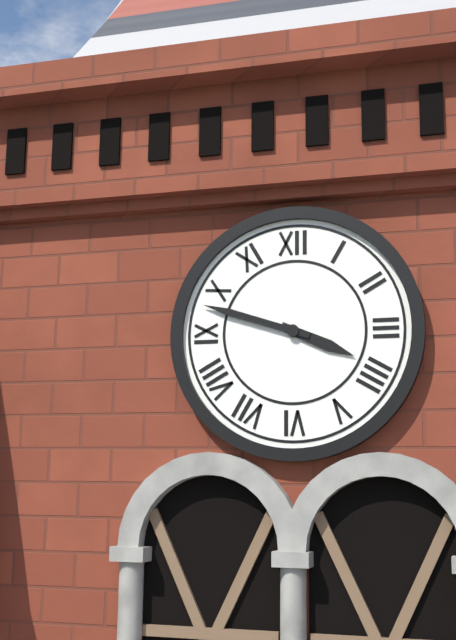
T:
3:48
